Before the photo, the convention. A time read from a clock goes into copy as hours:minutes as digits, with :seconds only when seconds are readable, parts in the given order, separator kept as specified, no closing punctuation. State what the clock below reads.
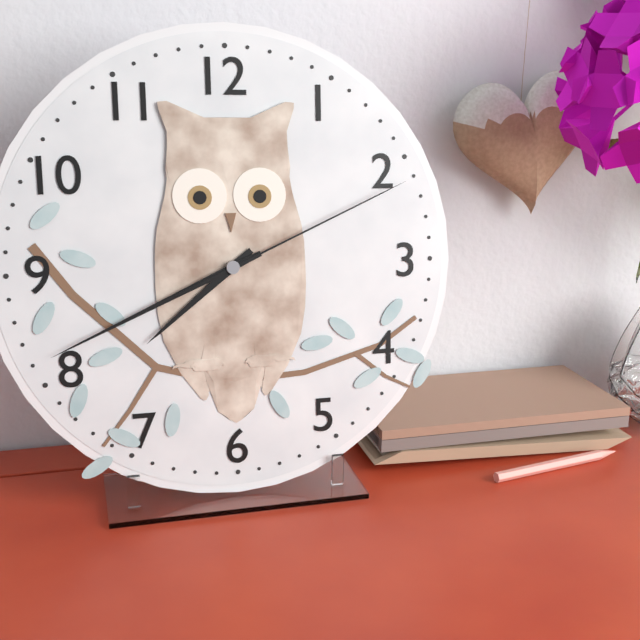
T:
7:41:11
